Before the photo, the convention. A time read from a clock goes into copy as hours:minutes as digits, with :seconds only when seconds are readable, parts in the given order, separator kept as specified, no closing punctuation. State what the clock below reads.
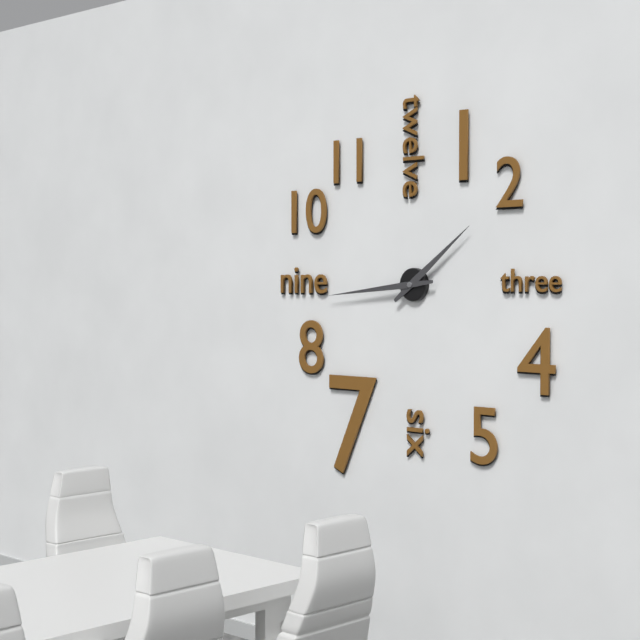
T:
1:44
